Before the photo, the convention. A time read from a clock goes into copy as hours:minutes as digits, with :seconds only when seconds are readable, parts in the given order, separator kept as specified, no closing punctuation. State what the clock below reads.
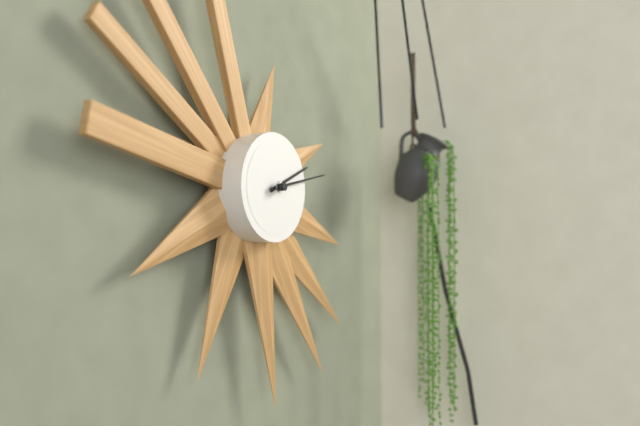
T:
2:13
